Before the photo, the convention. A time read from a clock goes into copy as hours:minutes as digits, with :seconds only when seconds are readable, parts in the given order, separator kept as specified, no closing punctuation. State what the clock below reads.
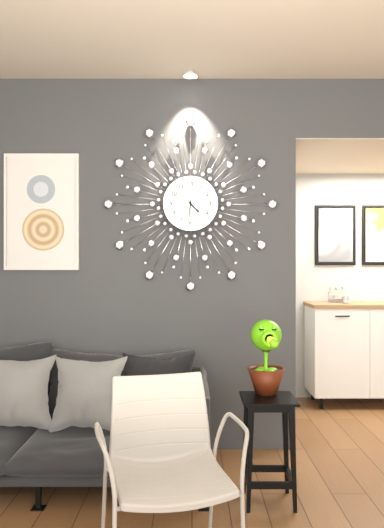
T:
4:31
